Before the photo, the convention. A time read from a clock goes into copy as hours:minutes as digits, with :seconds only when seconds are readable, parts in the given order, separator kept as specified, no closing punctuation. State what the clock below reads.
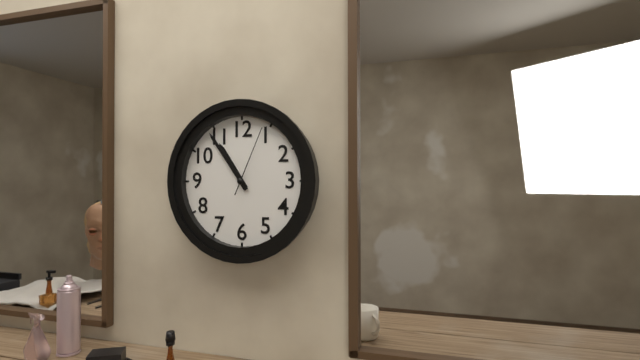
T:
10:54:04
